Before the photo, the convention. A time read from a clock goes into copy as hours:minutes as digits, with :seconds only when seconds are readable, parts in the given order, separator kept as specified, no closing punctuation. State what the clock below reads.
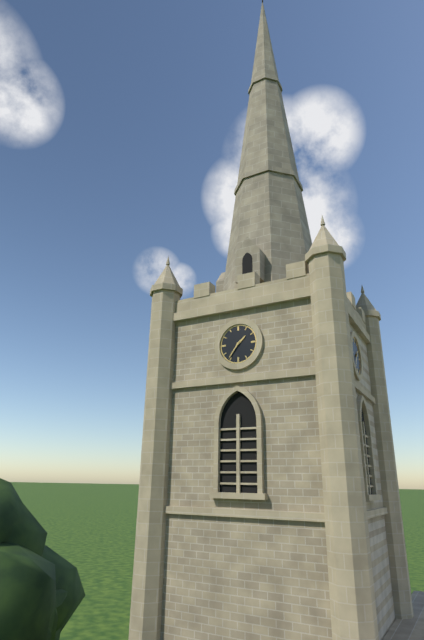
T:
1:36
